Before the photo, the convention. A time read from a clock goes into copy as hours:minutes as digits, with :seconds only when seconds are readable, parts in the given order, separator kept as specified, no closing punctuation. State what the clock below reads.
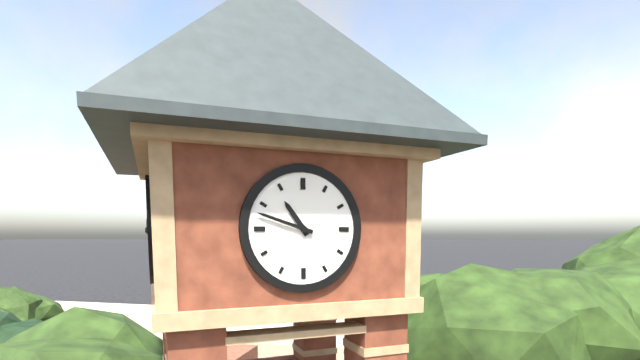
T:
10:48
